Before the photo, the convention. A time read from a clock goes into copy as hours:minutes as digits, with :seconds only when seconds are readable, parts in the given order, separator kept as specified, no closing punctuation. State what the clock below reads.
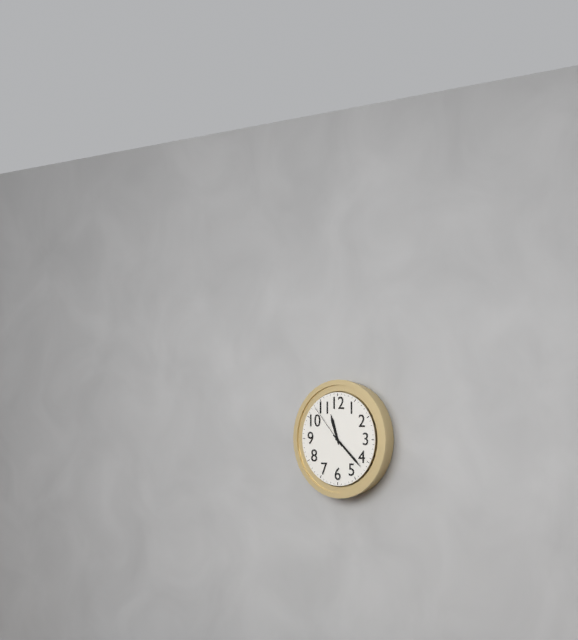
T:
11:22
